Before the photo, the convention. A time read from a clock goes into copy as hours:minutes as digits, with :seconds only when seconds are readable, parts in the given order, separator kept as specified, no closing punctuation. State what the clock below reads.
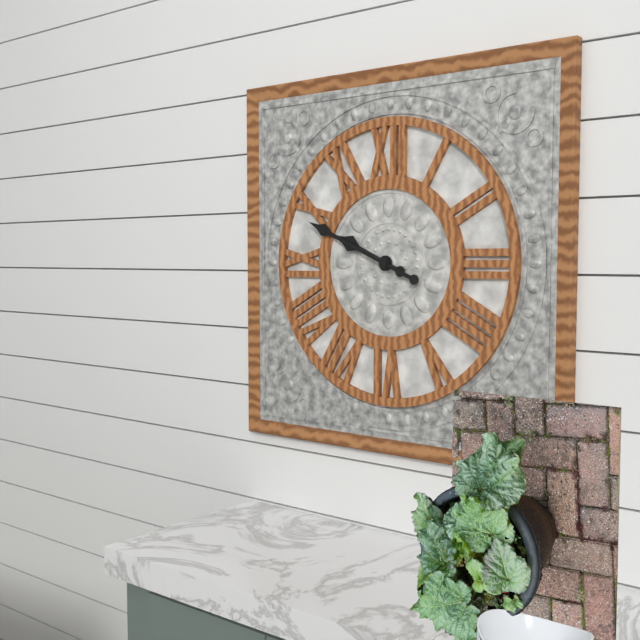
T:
9:49
